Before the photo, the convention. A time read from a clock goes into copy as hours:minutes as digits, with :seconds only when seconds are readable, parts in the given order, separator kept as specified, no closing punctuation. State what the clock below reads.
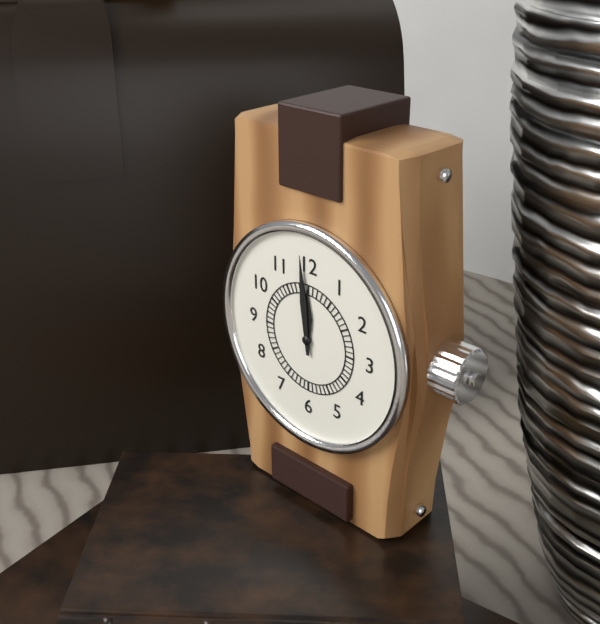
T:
11:59
